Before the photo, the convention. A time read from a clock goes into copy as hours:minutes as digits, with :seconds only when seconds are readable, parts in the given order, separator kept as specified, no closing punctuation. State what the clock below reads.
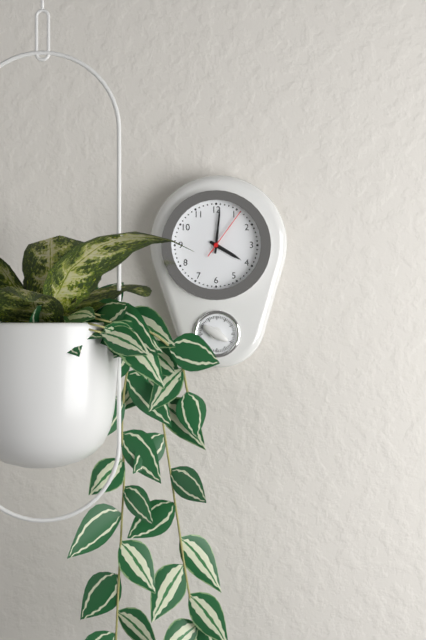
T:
4:01:06
